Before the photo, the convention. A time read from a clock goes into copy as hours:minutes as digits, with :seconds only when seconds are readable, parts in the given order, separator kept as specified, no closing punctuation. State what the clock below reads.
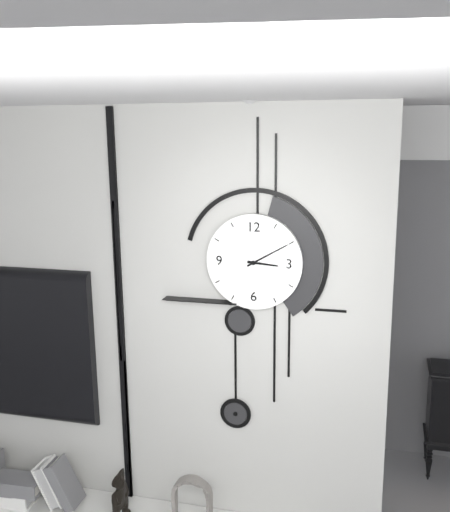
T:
3:10
